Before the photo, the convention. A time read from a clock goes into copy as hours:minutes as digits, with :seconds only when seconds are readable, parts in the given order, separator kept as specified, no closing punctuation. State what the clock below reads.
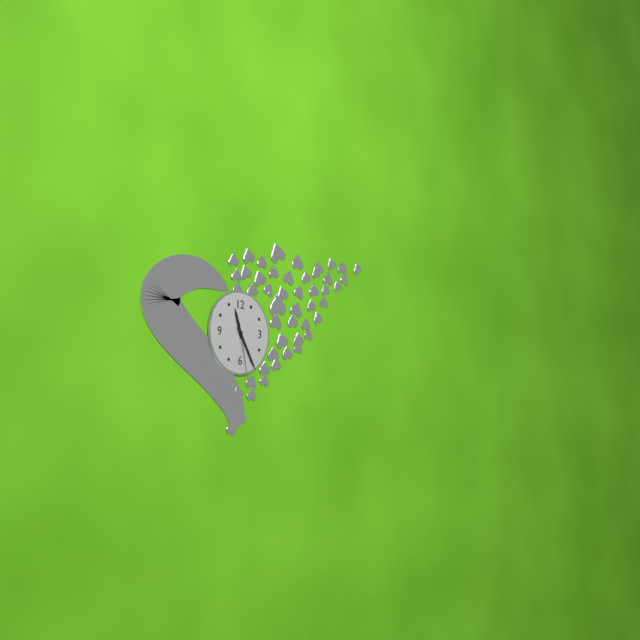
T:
11:25:28
